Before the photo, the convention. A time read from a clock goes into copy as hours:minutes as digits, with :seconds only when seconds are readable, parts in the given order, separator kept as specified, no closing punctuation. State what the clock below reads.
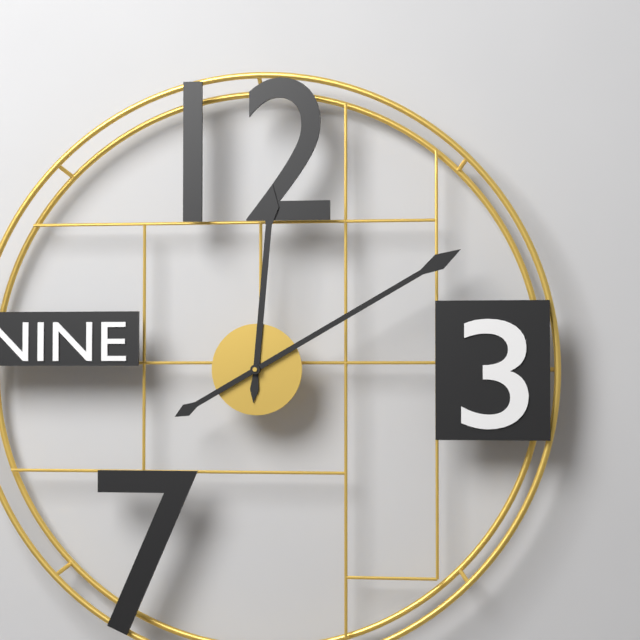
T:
12:10
